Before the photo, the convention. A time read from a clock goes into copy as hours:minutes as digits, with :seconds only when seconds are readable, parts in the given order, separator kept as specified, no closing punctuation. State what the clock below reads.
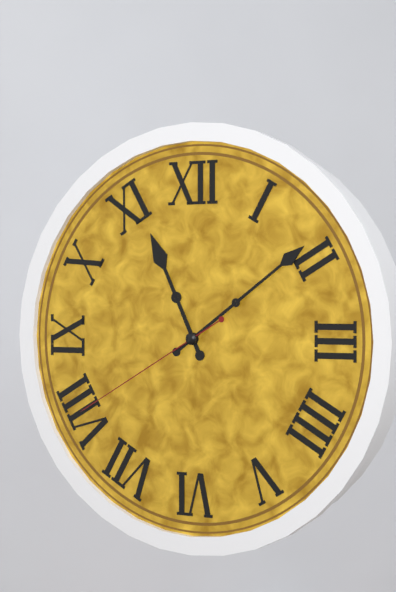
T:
11:09:40
